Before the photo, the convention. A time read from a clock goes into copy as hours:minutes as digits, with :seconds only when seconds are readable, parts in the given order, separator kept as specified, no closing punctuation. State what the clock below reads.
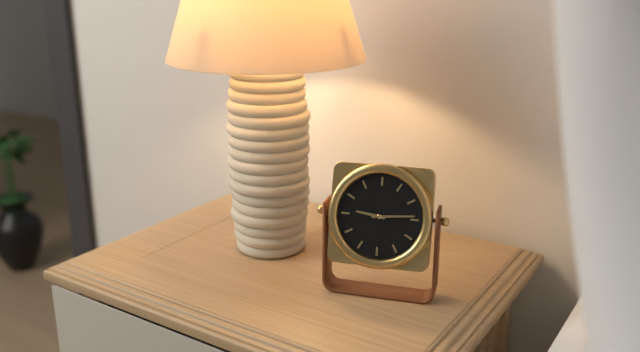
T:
9:14
